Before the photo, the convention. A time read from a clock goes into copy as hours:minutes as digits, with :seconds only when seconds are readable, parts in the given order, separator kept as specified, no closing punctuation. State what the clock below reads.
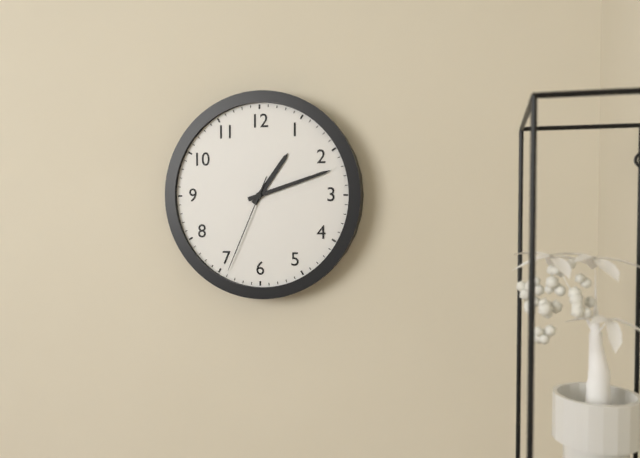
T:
1:12:34
